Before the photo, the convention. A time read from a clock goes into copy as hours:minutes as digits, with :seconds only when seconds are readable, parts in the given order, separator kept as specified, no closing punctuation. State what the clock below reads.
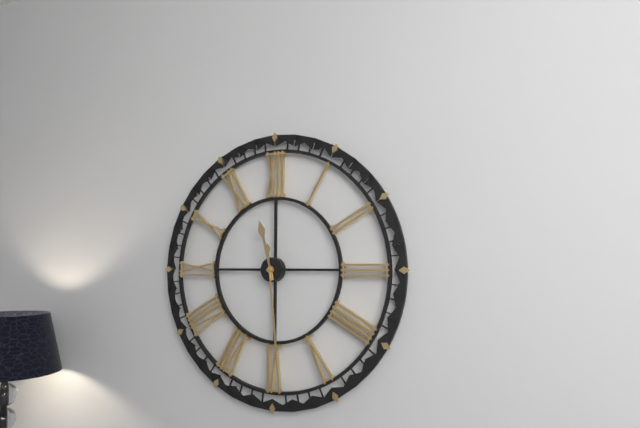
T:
11:29
